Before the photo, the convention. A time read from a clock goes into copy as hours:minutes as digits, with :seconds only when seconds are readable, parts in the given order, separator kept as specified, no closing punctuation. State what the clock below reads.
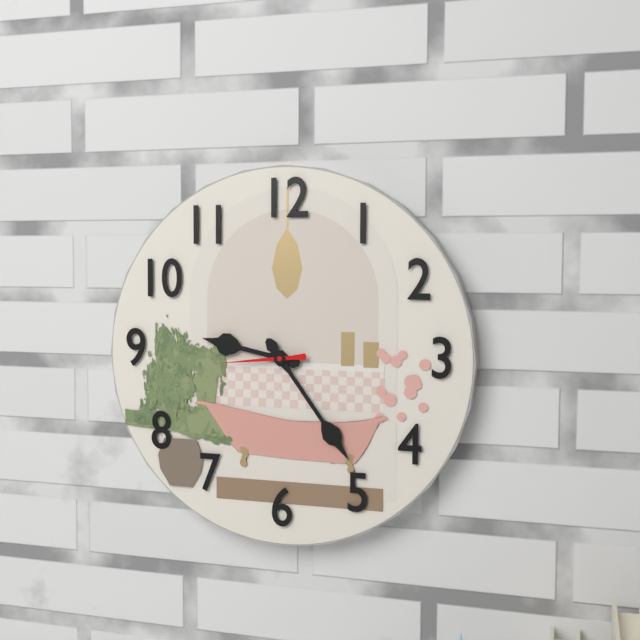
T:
9:24:44
